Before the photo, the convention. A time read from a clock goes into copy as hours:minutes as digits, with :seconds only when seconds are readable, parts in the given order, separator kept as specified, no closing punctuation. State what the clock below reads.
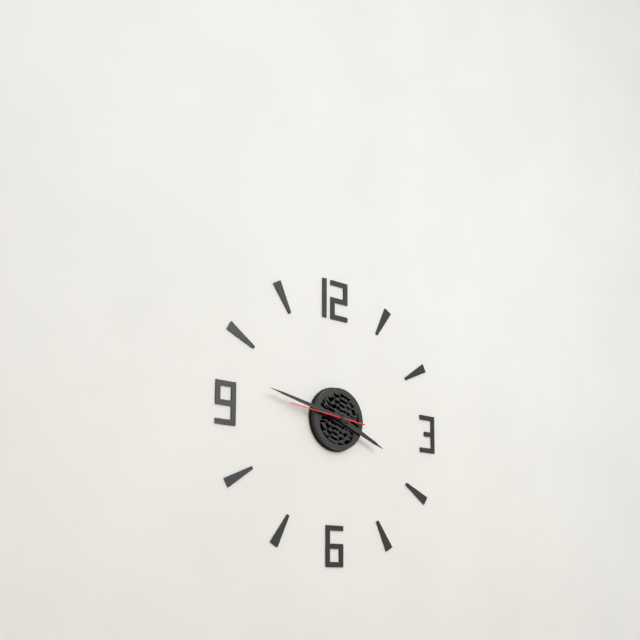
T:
3:47:46
